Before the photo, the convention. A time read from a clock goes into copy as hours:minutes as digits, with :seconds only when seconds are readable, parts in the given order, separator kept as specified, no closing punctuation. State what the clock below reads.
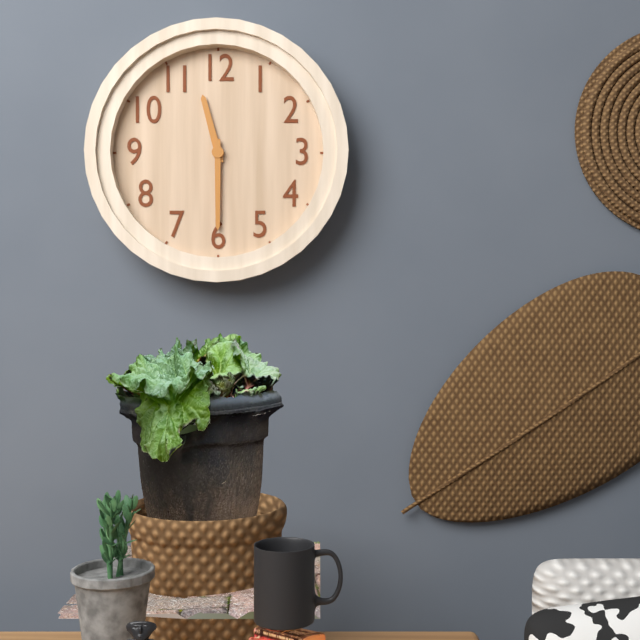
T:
11:30
